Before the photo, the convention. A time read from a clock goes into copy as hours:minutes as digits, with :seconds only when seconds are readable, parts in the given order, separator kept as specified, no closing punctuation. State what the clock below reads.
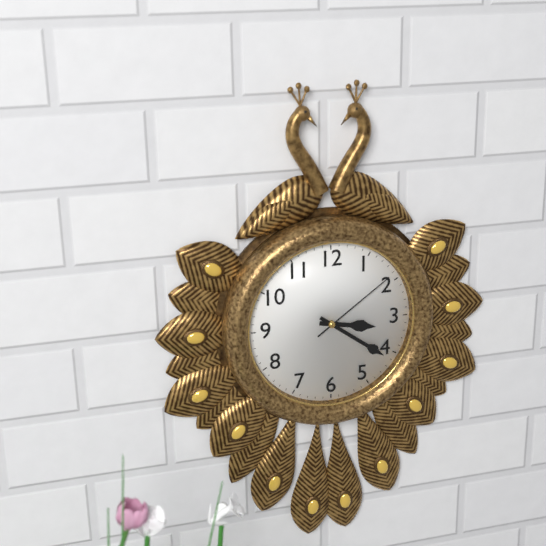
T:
3:21:09
